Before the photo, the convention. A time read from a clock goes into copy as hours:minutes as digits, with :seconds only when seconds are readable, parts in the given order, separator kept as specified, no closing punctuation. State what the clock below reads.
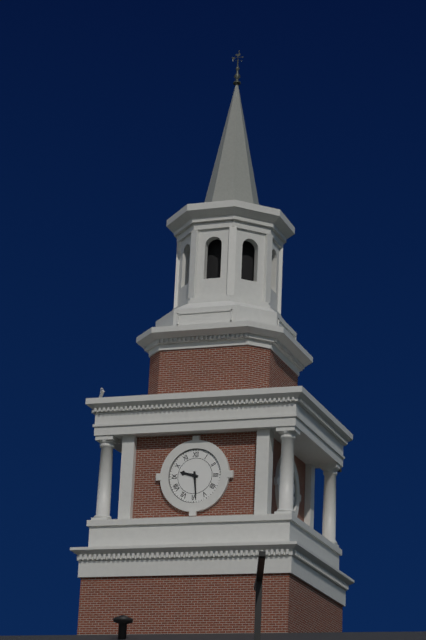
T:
9:29
